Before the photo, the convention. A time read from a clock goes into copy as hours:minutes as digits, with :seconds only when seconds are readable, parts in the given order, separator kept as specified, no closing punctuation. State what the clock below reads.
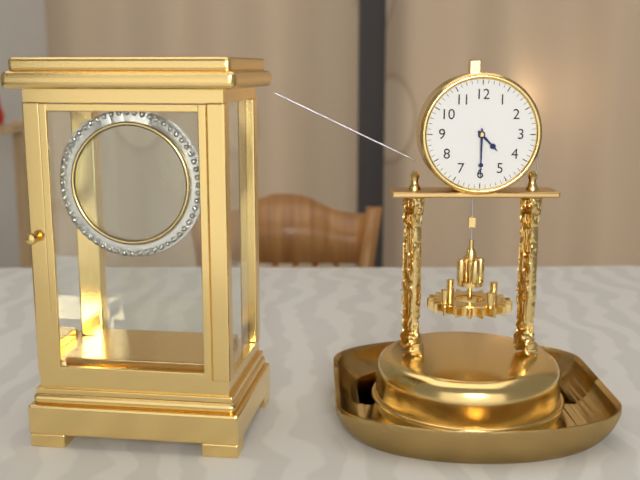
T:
4:30
